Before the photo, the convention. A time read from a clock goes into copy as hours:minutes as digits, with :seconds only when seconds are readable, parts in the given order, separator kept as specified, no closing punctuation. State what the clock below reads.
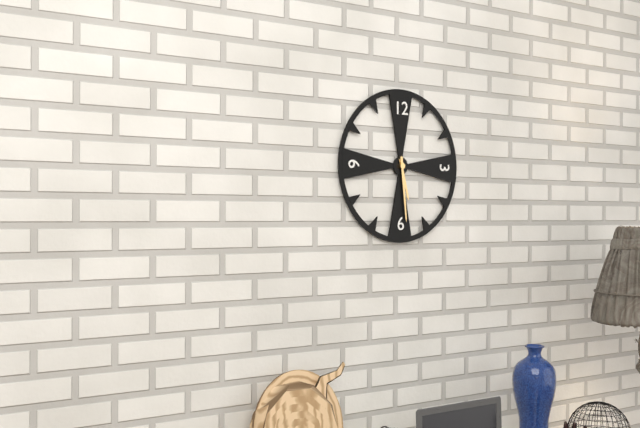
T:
5:29
